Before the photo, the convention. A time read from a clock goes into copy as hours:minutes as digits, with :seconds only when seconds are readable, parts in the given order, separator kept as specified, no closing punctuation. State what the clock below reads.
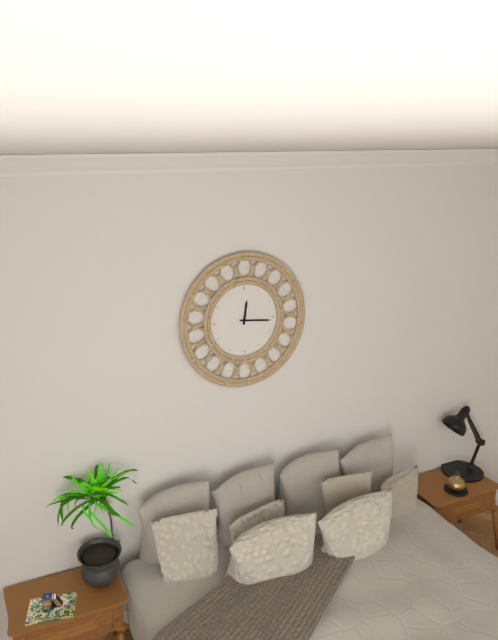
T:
12:16
